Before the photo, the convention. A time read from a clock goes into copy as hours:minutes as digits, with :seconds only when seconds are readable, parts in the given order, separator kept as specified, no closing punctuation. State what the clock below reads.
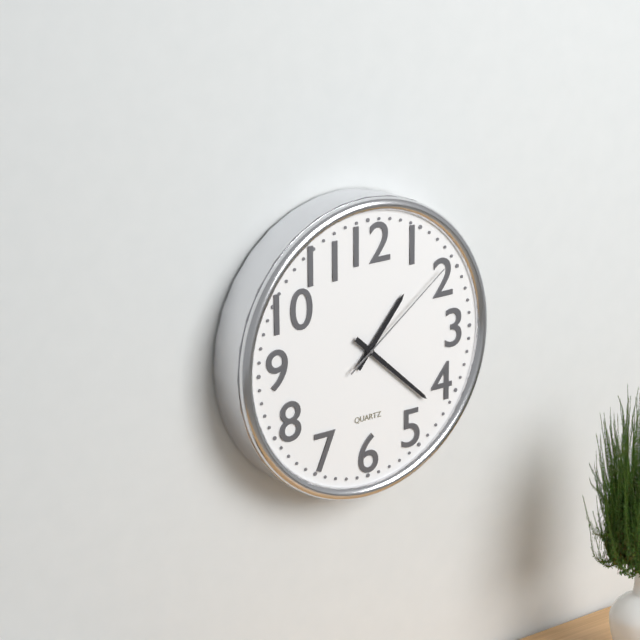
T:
1:22:09
